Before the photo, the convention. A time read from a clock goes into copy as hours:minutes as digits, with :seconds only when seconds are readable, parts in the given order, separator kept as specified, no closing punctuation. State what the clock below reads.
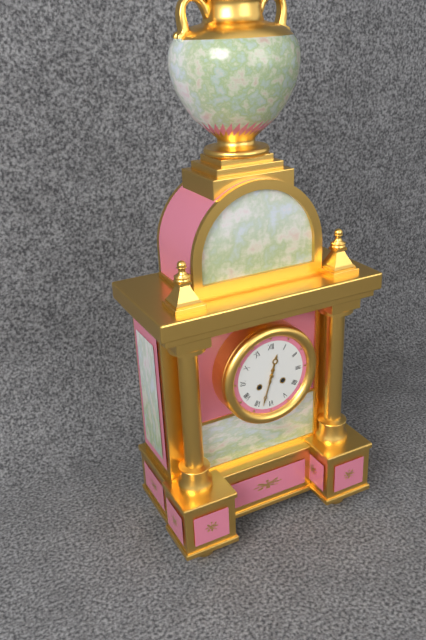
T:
12:33
